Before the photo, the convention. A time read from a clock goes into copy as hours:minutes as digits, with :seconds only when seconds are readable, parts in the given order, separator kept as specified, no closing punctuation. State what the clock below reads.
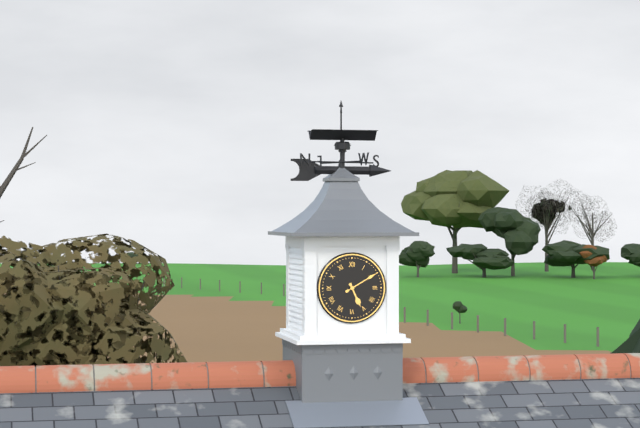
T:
5:10
